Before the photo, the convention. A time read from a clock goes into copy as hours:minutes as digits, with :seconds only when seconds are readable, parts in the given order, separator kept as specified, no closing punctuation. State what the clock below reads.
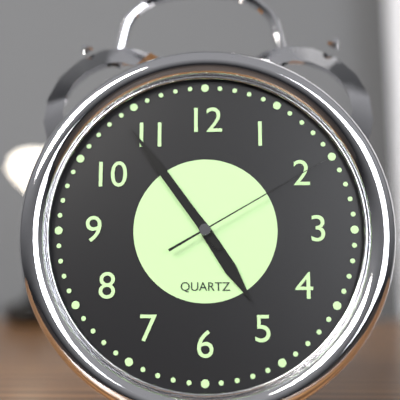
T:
4:54:10
